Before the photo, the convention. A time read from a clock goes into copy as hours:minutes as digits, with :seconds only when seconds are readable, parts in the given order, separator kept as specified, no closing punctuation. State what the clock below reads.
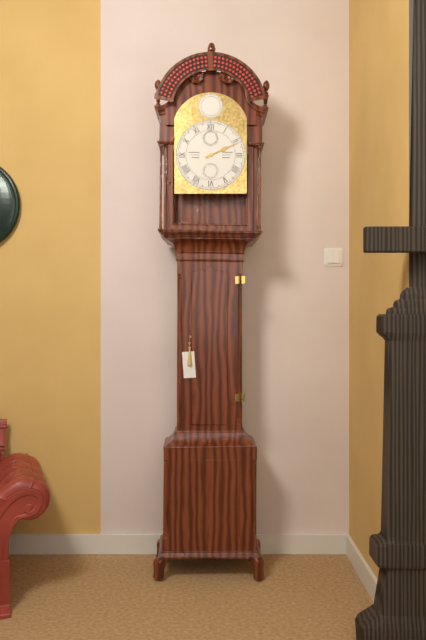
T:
2:11
